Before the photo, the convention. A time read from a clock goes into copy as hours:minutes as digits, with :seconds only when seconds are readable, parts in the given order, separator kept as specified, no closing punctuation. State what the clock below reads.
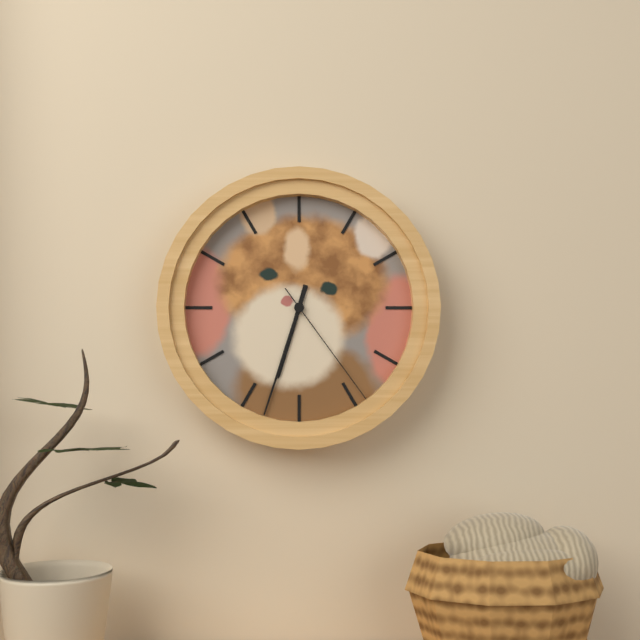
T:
6:33:24
